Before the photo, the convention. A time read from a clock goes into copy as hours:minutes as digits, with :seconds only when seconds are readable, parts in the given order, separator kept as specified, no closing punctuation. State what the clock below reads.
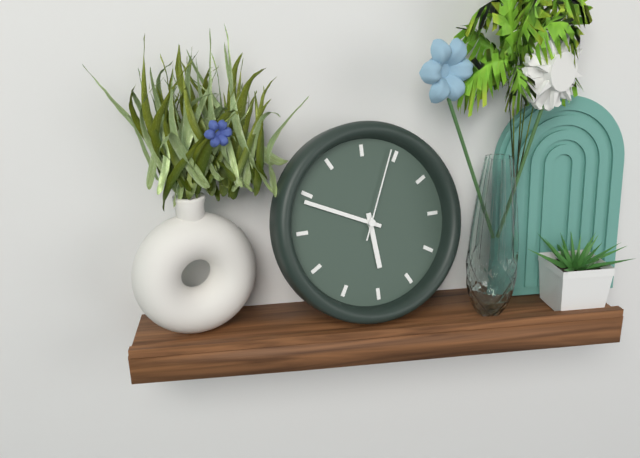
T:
5:49:04
